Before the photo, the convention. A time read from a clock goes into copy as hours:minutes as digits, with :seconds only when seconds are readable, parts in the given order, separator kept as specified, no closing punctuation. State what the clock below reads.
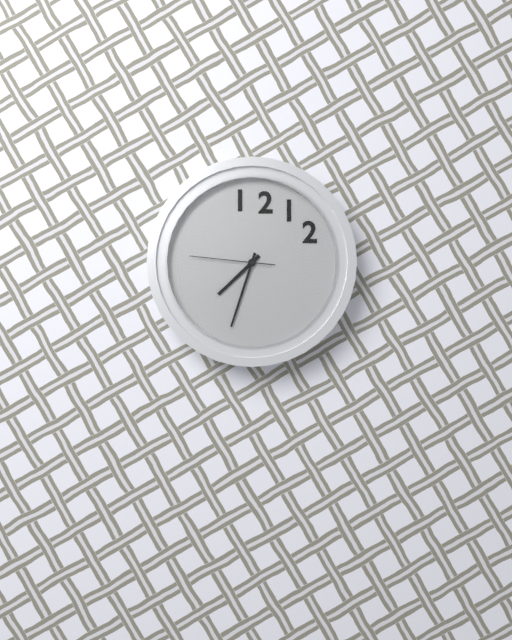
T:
7:33:46
